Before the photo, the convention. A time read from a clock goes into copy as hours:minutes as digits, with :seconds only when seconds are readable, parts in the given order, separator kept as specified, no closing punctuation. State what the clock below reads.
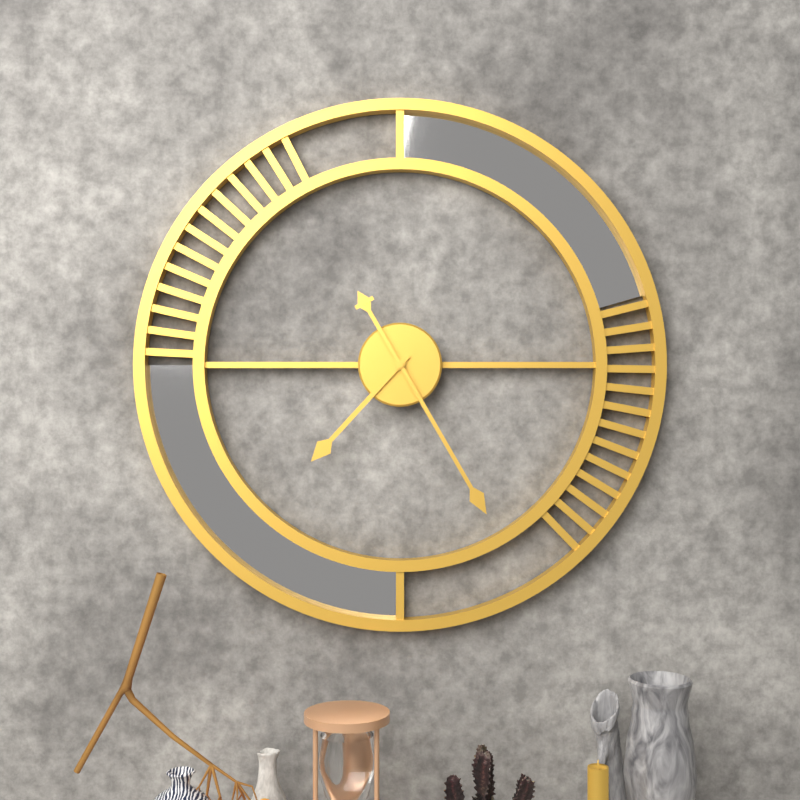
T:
7:25
